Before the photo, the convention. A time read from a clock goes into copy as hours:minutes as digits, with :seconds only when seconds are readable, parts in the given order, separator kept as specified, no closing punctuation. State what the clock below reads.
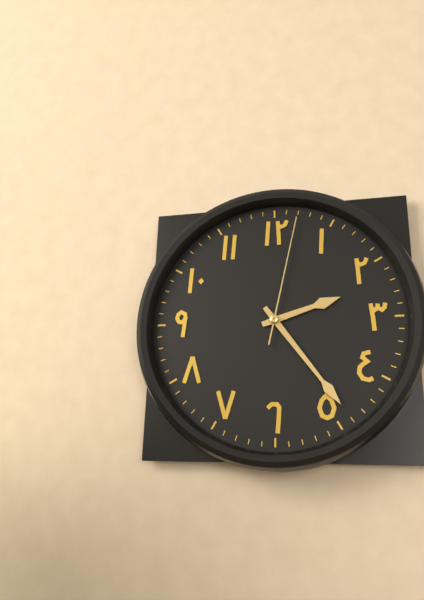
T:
2:24:02
